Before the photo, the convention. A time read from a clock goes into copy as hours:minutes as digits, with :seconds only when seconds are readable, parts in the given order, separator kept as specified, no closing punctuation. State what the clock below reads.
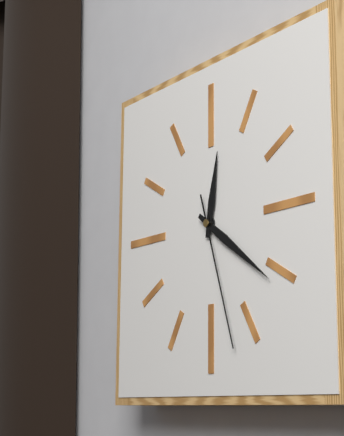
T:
12:21:27
